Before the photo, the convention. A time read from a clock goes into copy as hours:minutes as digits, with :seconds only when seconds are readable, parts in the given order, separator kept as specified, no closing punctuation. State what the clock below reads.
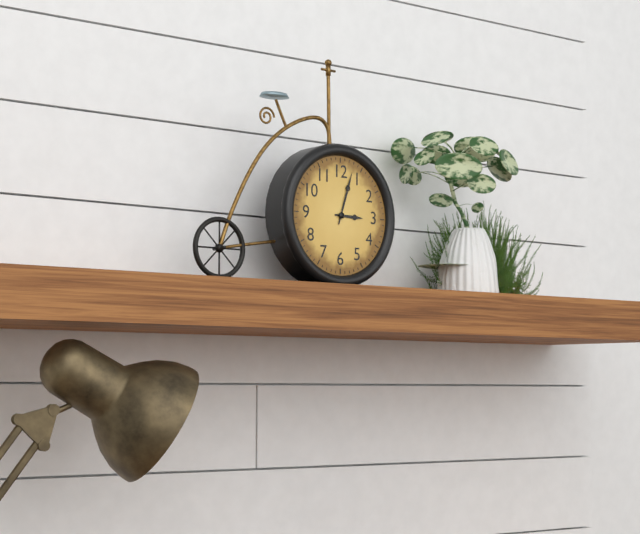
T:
3:03
